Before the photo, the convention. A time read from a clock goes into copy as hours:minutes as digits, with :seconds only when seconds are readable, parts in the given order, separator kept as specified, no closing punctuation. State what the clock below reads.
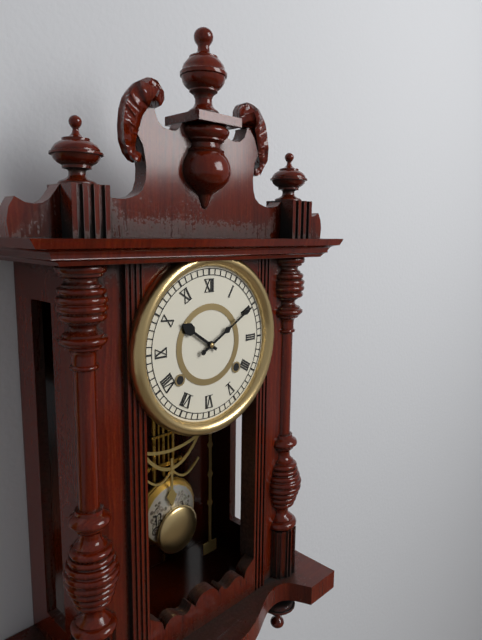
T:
10:10
